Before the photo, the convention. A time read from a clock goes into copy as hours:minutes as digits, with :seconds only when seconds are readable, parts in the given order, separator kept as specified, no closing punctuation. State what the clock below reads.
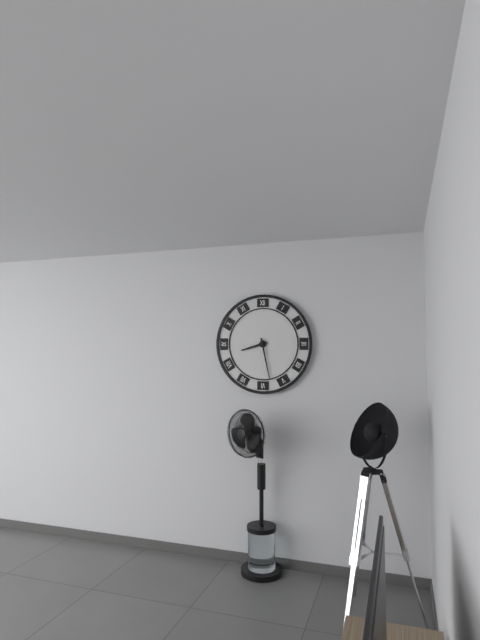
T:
8:28
